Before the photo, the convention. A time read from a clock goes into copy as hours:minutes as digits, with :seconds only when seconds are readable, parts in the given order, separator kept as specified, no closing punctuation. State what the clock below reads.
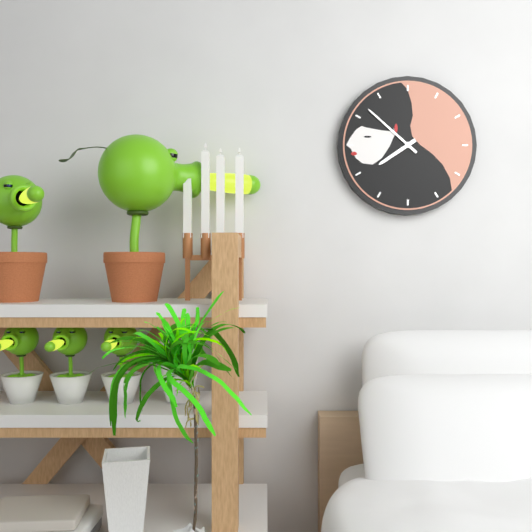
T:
7:52
